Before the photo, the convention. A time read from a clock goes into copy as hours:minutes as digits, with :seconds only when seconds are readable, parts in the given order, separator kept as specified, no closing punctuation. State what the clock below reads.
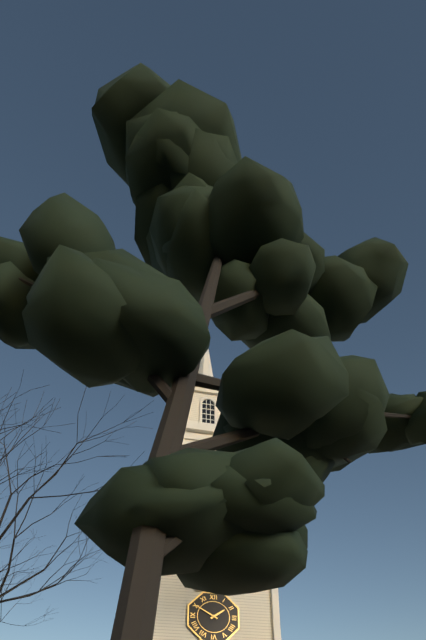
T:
1:50
